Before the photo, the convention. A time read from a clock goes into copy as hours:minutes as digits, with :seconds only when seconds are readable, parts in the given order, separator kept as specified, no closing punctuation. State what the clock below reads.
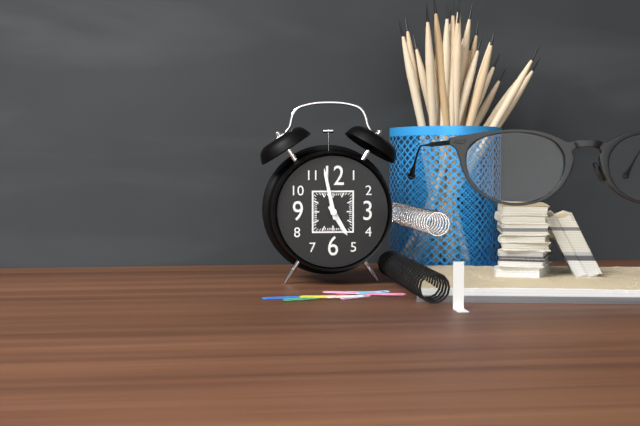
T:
4:58
